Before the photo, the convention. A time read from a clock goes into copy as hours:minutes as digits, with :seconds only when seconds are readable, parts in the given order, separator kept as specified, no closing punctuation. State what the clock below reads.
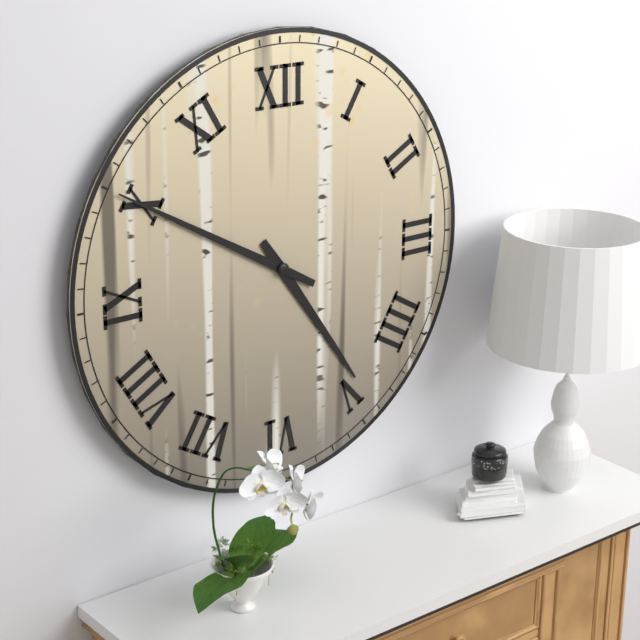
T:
4:50
